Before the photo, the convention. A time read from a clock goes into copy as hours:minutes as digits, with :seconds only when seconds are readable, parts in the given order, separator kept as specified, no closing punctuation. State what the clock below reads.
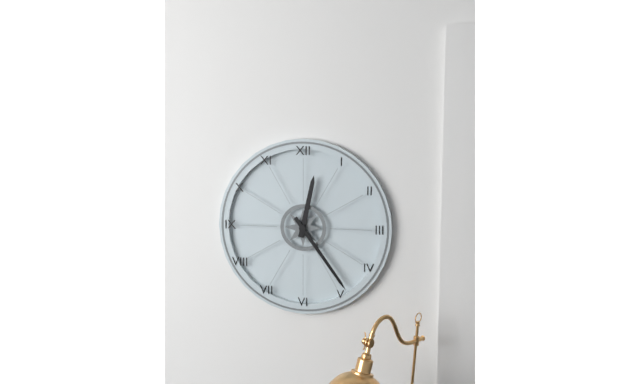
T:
12:24
